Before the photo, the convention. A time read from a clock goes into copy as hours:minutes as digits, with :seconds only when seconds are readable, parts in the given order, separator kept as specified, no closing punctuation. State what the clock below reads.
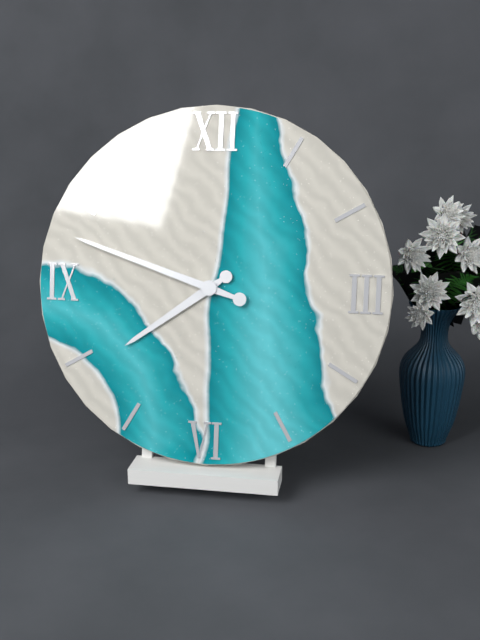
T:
7:48
